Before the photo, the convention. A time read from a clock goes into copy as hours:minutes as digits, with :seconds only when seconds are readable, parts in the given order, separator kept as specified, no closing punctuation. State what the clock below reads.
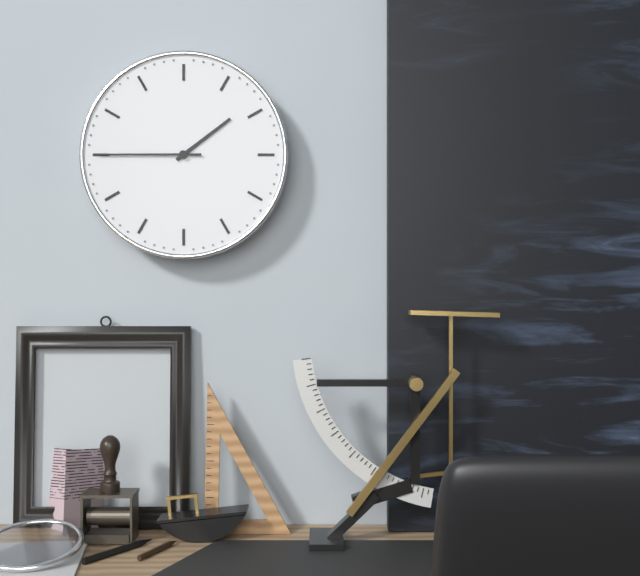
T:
1:45
